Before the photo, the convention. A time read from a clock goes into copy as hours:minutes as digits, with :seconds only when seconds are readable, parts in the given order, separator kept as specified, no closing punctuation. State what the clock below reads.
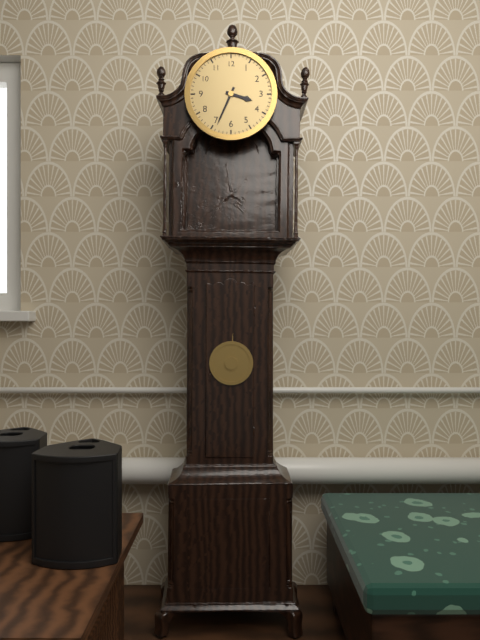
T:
3:34
